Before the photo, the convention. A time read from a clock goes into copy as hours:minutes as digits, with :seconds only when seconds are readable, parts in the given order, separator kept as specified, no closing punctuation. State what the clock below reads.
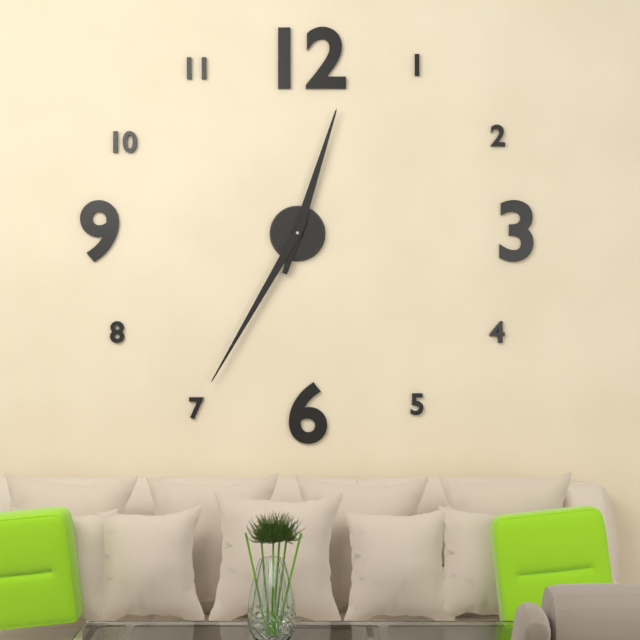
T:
12:35
